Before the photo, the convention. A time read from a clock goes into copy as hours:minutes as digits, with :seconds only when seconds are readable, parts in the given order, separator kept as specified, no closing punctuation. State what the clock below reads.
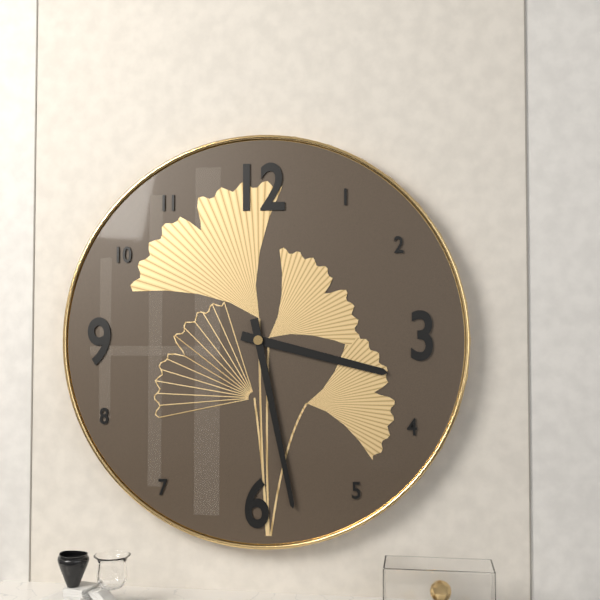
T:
3:28
